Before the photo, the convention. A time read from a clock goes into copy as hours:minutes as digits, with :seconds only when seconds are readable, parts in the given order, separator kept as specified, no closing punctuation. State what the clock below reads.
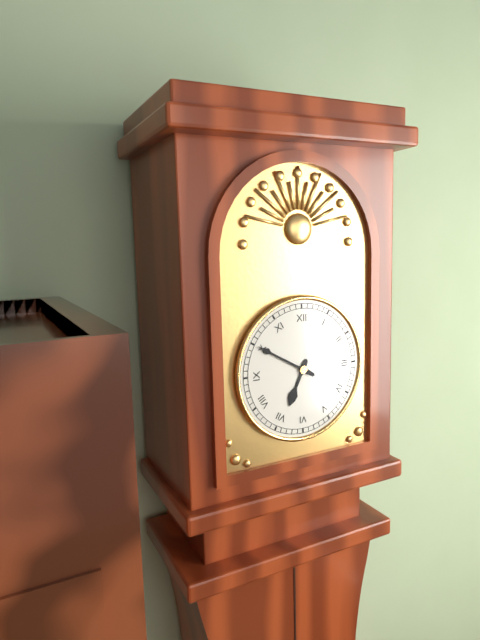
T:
6:50
